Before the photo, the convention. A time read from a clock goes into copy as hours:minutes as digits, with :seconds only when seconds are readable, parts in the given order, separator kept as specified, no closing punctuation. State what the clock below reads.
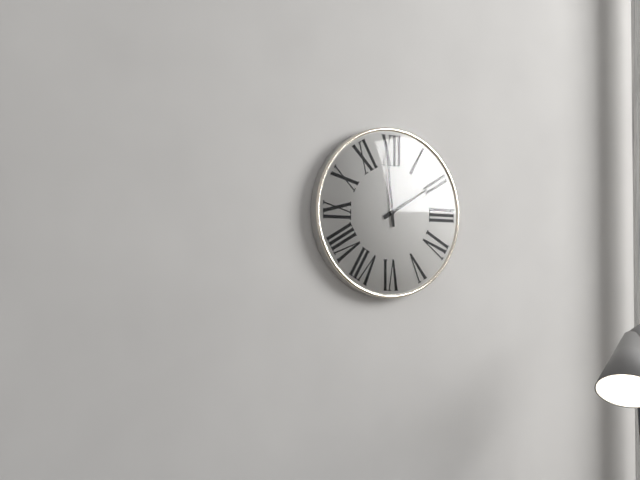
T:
1:59
